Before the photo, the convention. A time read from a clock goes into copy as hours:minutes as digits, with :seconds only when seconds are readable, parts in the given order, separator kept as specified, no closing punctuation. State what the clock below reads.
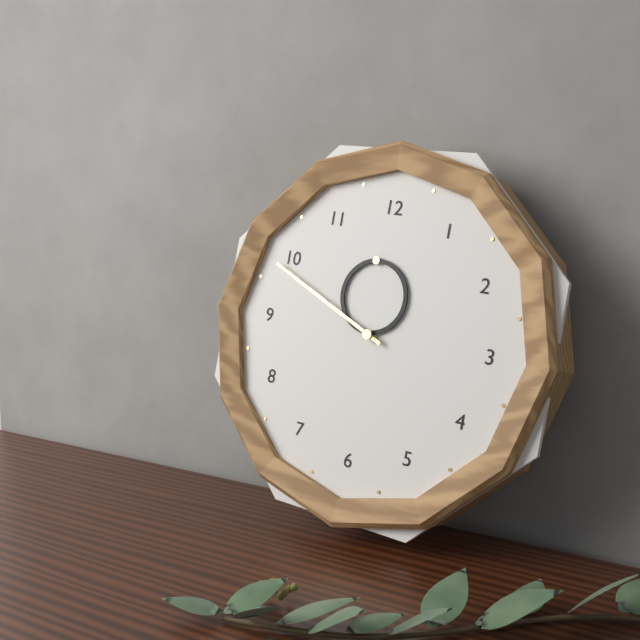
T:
11:49
